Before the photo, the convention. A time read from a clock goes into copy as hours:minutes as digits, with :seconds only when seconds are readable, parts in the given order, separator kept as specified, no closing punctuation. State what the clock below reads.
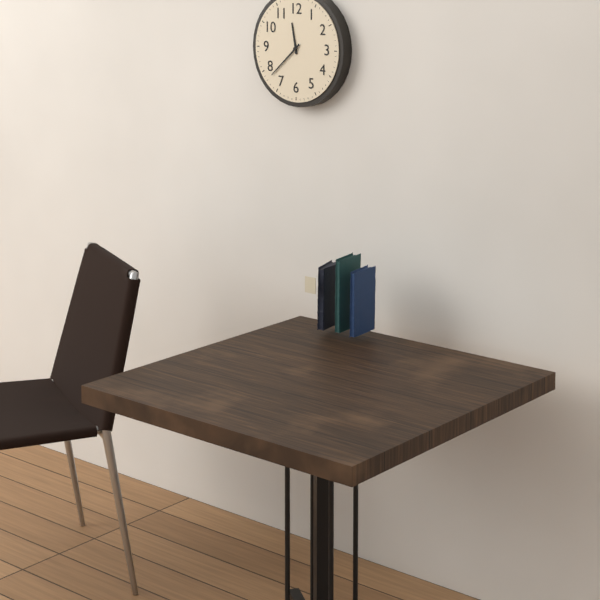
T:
11:38
